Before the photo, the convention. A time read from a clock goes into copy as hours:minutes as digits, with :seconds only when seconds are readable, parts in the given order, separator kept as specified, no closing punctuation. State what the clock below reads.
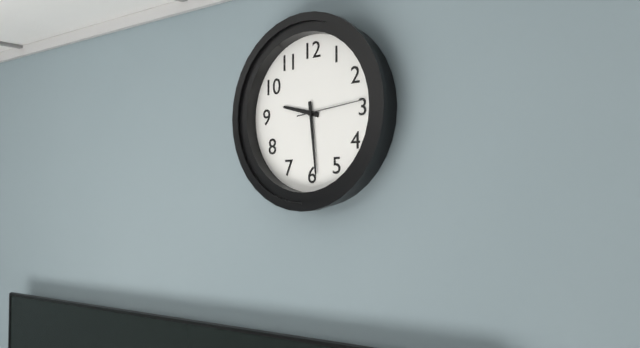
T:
9:29:14
